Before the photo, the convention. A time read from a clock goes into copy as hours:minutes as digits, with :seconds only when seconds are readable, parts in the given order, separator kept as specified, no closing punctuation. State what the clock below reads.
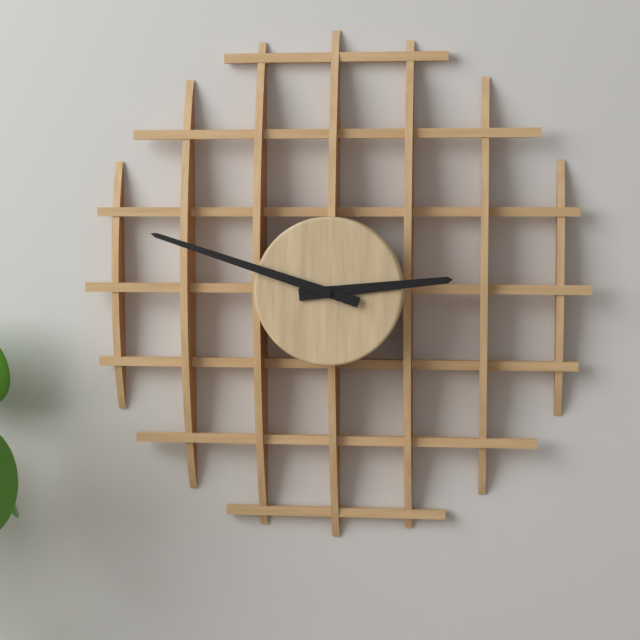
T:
2:48
